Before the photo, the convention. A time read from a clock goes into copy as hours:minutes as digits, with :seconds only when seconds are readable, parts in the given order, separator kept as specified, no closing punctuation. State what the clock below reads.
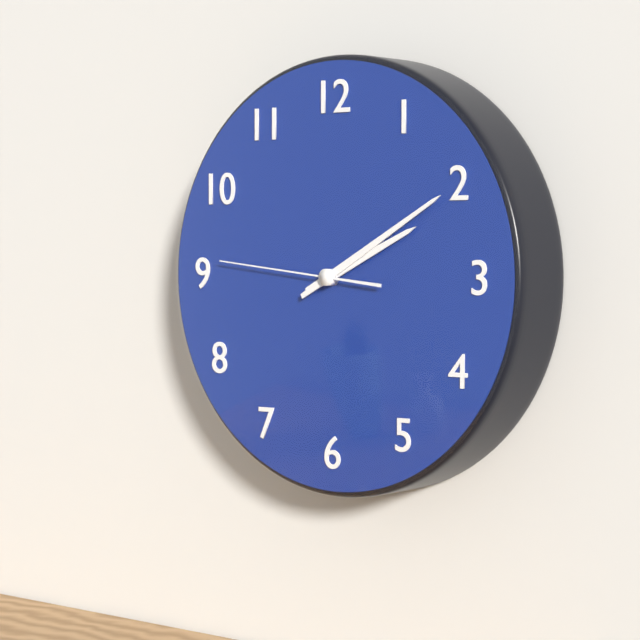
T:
2:10:46
